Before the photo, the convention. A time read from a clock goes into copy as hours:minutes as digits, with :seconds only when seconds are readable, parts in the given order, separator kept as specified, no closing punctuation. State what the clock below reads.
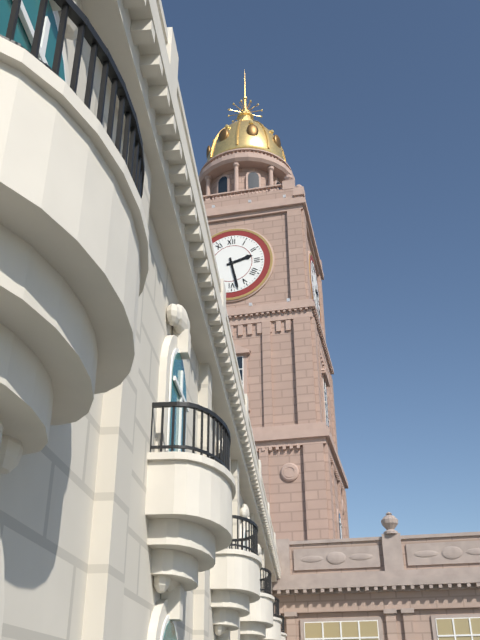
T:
2:28
